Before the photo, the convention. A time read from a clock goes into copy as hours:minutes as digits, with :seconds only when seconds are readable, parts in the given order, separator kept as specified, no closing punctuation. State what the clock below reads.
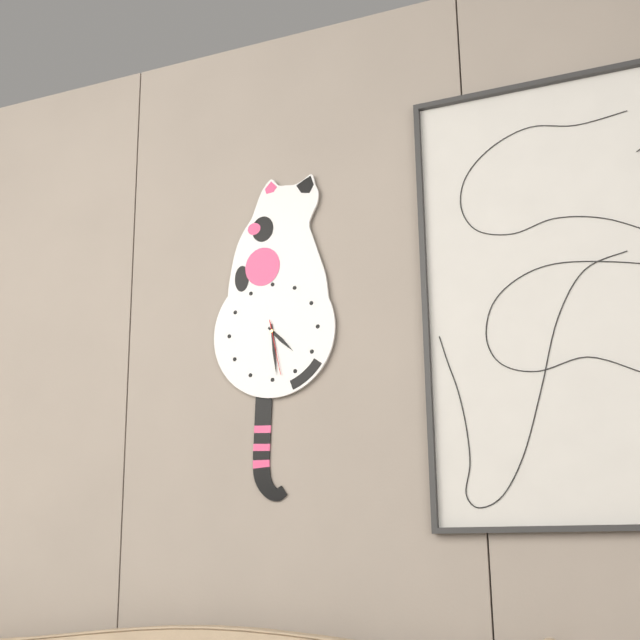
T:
4:29:28
